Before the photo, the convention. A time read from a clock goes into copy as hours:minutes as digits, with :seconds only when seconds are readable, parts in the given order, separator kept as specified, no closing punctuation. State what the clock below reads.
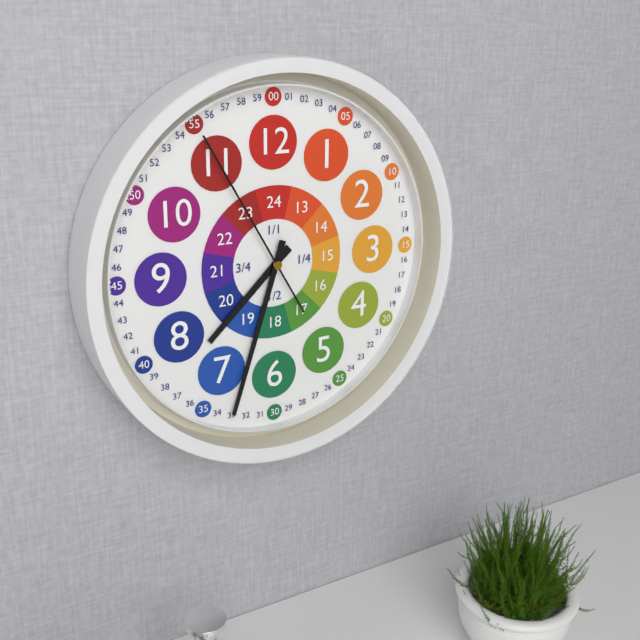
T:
7:33:55
